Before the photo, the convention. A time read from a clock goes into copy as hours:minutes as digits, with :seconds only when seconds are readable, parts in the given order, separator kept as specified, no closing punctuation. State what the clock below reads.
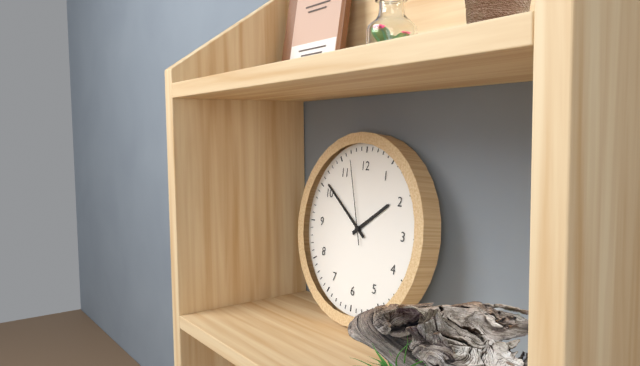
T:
1:51:57
